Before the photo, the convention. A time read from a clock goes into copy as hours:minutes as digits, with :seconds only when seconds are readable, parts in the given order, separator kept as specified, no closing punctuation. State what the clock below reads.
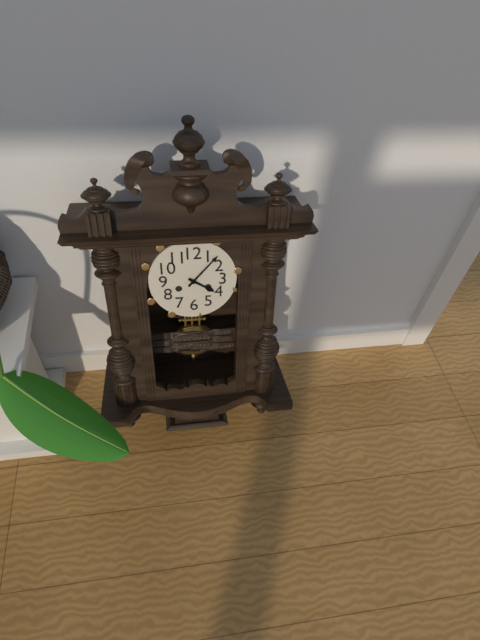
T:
4:07
